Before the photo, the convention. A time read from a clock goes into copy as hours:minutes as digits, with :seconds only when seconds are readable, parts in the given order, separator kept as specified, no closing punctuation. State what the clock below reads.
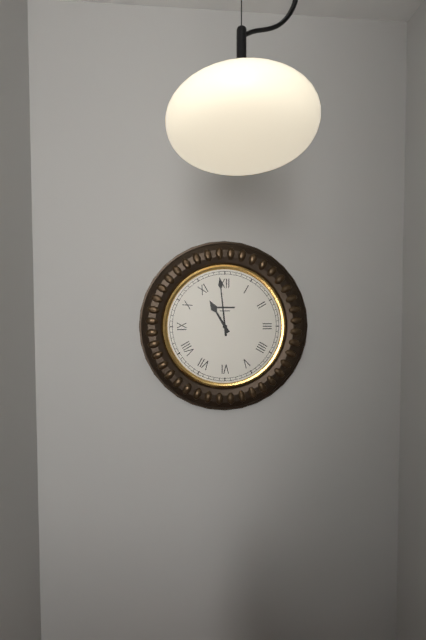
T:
10:59
